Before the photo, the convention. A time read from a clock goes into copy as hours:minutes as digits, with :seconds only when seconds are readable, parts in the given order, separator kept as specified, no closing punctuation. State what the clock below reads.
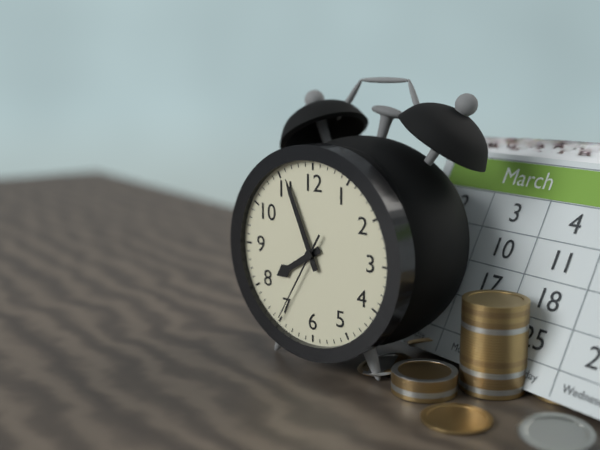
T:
7:56:35
